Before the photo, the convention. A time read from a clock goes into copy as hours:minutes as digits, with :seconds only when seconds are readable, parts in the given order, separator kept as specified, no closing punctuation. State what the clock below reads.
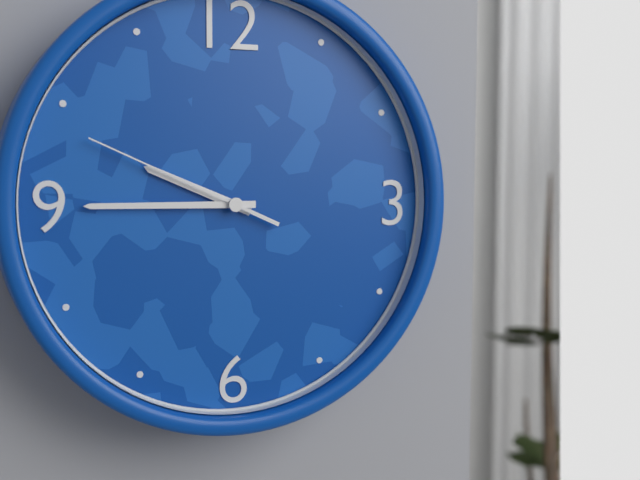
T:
9:45:49
